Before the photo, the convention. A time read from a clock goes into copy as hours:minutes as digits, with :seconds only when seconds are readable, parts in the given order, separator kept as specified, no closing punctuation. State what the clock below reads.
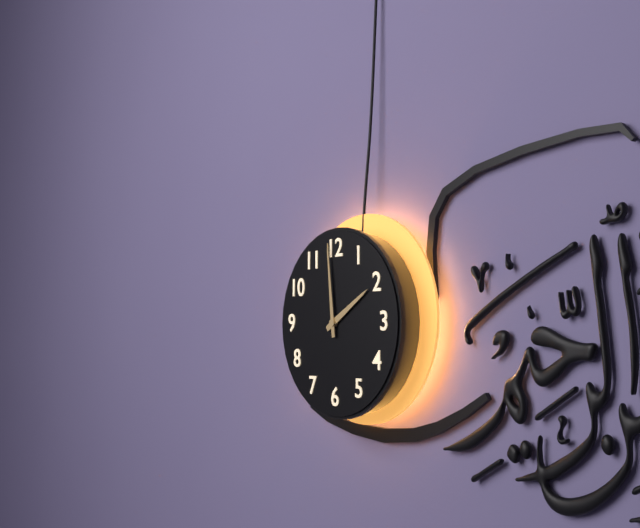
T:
1:59
